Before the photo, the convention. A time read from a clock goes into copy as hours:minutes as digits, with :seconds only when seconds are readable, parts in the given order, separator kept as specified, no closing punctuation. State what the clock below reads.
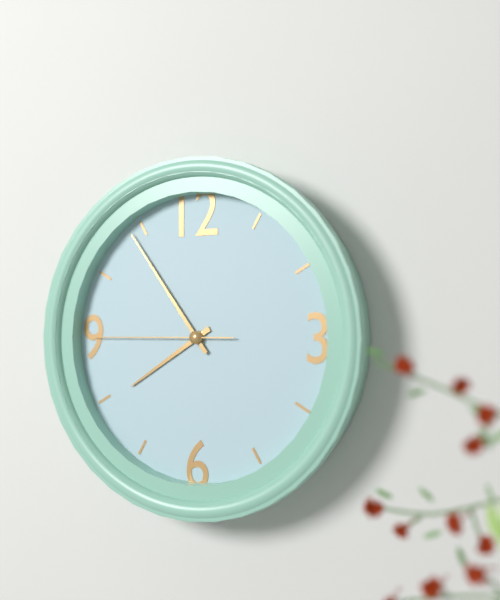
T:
7:54:45
